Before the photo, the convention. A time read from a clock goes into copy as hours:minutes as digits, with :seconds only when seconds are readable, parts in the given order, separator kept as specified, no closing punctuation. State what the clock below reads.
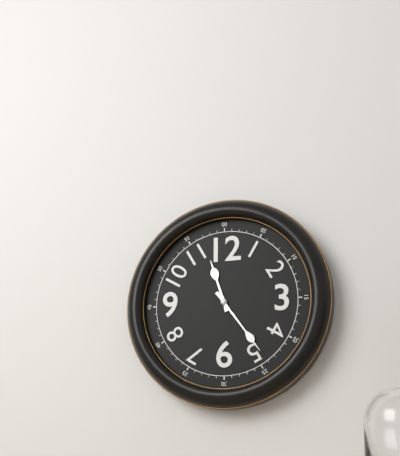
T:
11:24
